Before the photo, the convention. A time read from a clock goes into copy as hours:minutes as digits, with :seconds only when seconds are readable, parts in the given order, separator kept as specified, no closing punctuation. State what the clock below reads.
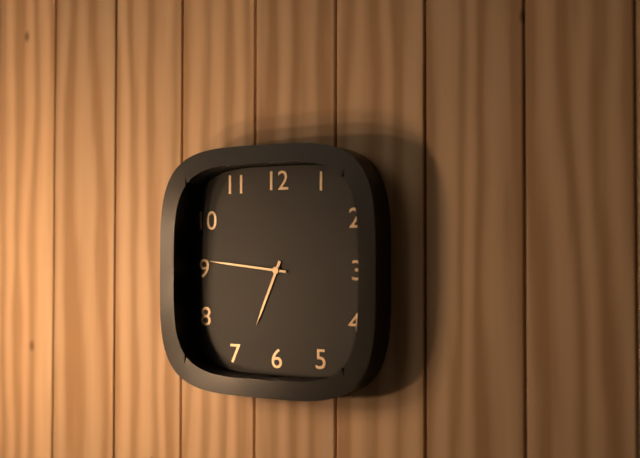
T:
6:46
